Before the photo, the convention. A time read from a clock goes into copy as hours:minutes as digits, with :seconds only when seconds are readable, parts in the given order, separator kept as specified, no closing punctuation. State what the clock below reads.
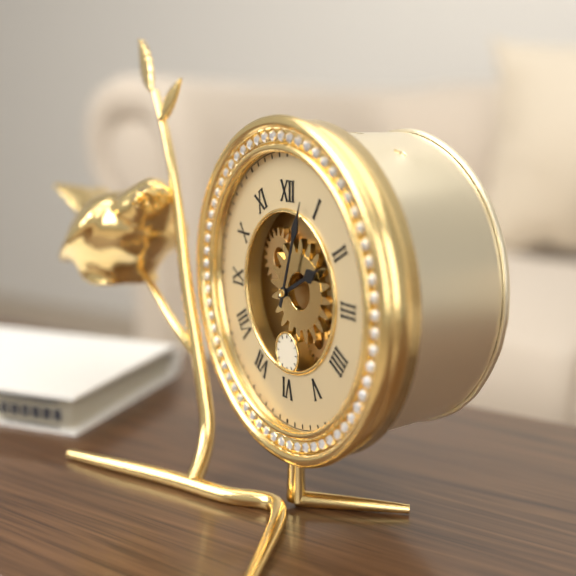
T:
2:03
